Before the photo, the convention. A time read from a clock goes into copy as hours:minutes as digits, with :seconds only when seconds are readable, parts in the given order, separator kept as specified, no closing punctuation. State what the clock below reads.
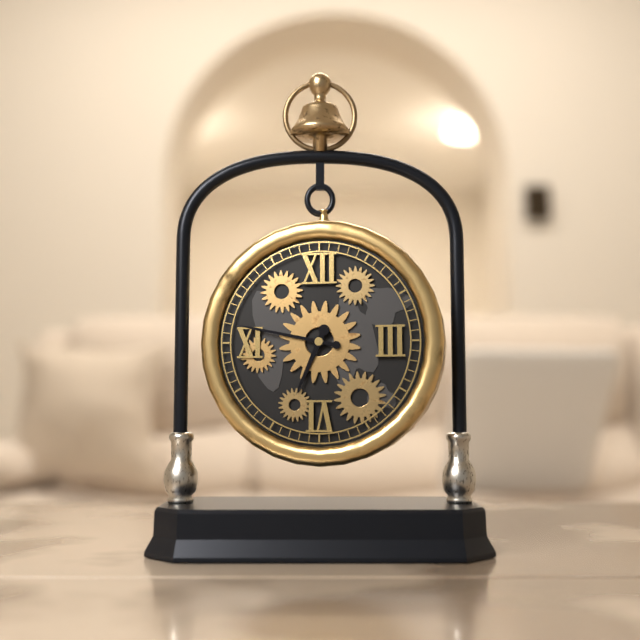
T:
6:47
